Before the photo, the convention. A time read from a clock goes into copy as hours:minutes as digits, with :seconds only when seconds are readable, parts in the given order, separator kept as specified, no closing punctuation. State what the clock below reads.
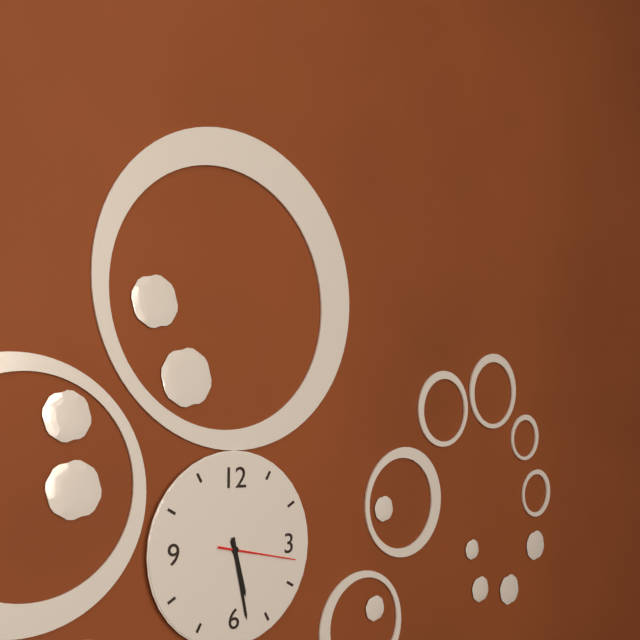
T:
5:28:17
